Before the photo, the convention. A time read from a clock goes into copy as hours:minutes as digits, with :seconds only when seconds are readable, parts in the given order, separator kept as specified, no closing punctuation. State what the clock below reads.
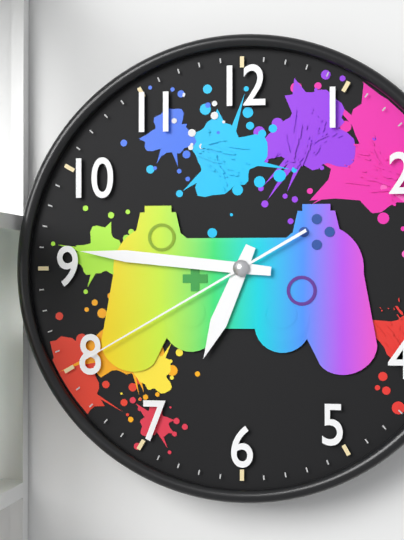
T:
6:46:40
